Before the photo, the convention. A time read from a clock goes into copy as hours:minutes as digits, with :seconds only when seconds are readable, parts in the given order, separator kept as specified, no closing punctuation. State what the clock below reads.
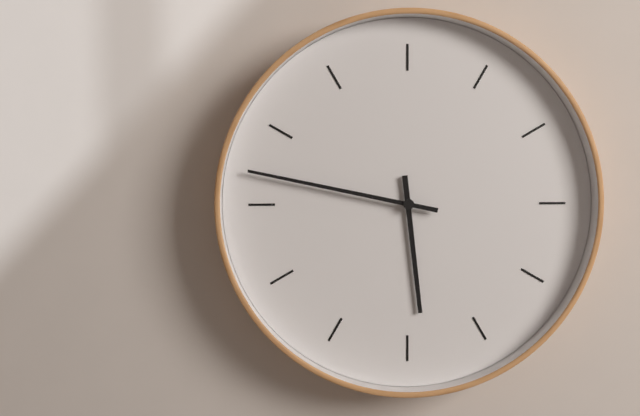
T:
5:47
